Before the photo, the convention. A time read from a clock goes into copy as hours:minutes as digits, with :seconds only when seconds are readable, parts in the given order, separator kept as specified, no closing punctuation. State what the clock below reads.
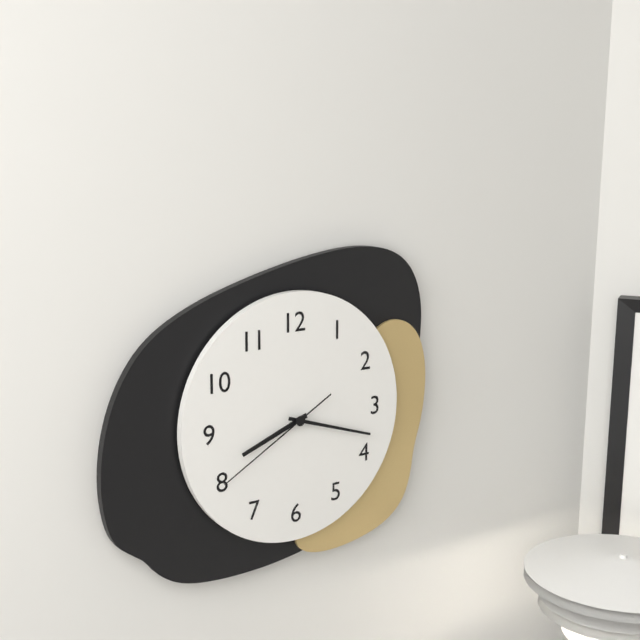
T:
8:18:40
